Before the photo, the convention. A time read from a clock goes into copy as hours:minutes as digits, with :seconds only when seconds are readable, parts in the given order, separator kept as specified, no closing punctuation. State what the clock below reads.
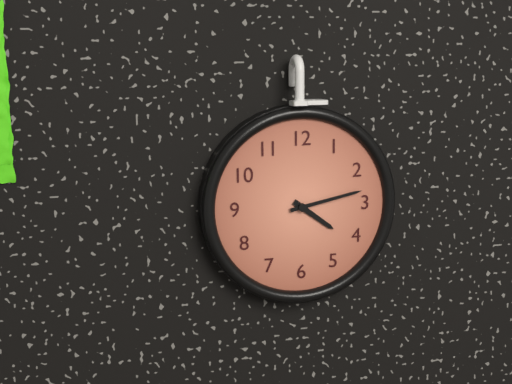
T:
4:13
